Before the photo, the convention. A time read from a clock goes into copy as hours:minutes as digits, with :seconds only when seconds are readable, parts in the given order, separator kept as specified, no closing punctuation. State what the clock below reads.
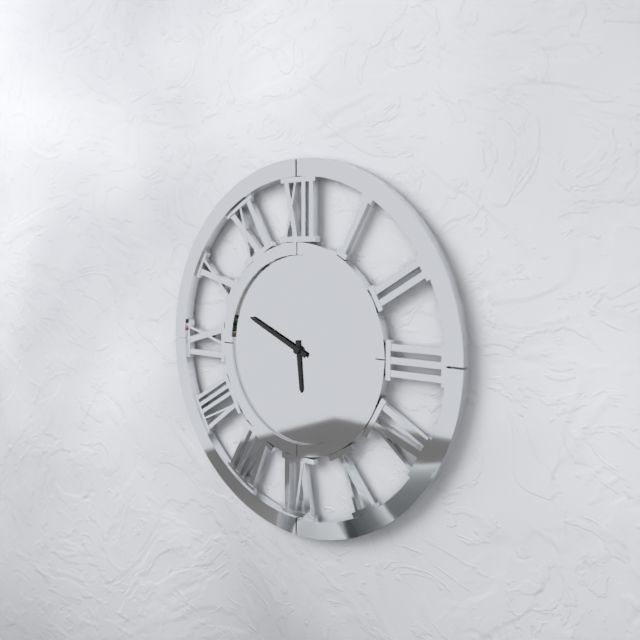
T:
5:49
